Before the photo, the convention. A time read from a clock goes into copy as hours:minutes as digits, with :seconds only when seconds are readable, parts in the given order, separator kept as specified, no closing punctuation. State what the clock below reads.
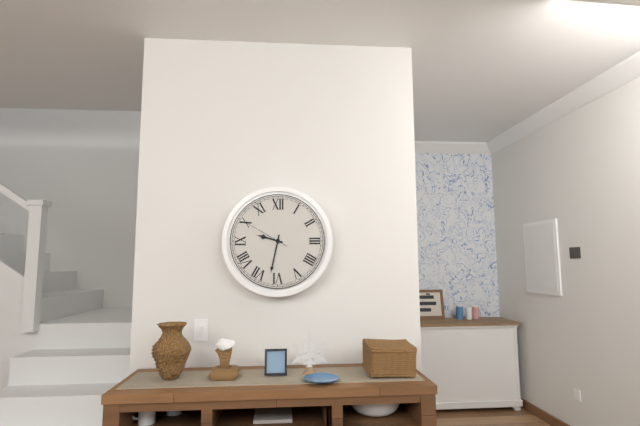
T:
9:32
